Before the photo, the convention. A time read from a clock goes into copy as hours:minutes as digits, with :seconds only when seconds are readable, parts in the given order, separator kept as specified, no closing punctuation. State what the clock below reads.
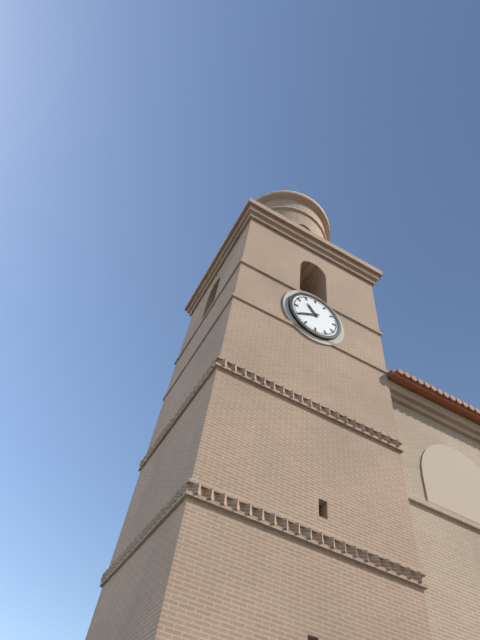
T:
10:40
